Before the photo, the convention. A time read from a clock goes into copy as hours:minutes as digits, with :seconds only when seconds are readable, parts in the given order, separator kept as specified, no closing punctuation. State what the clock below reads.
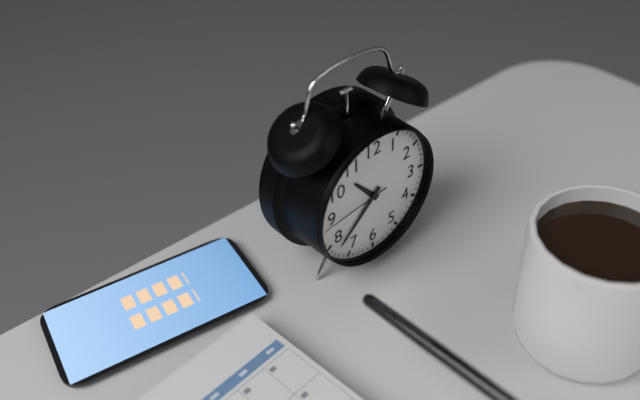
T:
10:38:44
